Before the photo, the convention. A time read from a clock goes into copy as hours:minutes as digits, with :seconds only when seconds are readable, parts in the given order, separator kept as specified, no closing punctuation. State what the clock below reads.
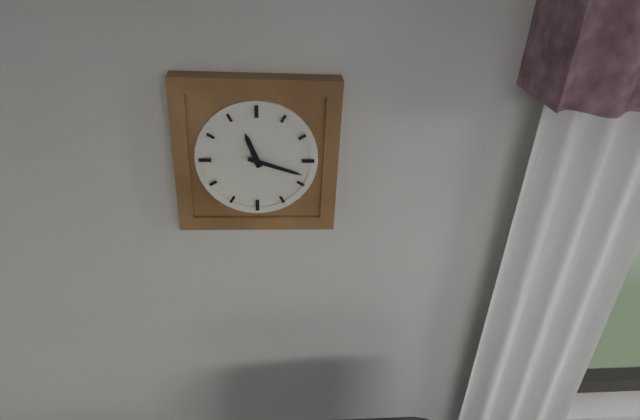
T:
11:18
